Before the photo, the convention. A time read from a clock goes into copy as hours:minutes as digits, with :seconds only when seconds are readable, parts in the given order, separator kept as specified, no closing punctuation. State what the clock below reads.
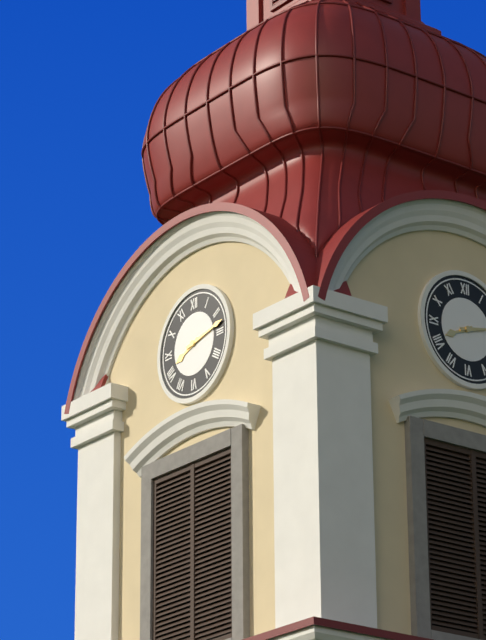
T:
8:13
